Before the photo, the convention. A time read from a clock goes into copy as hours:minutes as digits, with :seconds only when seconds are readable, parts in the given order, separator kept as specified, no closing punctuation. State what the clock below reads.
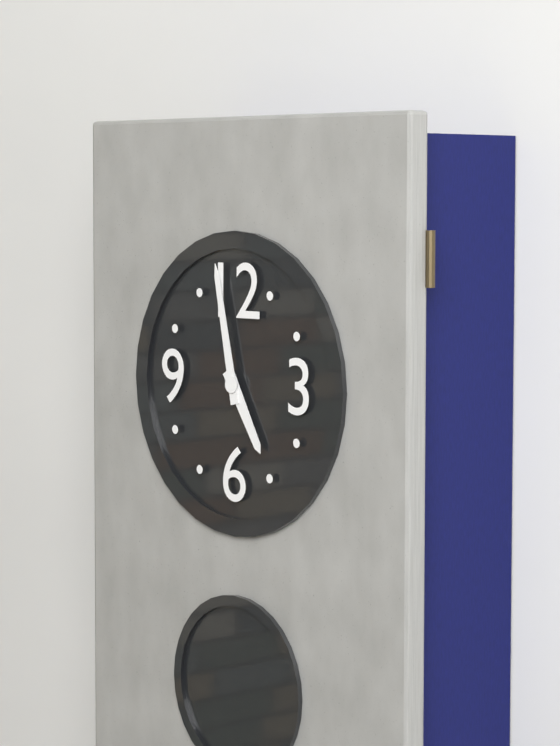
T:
4:58
